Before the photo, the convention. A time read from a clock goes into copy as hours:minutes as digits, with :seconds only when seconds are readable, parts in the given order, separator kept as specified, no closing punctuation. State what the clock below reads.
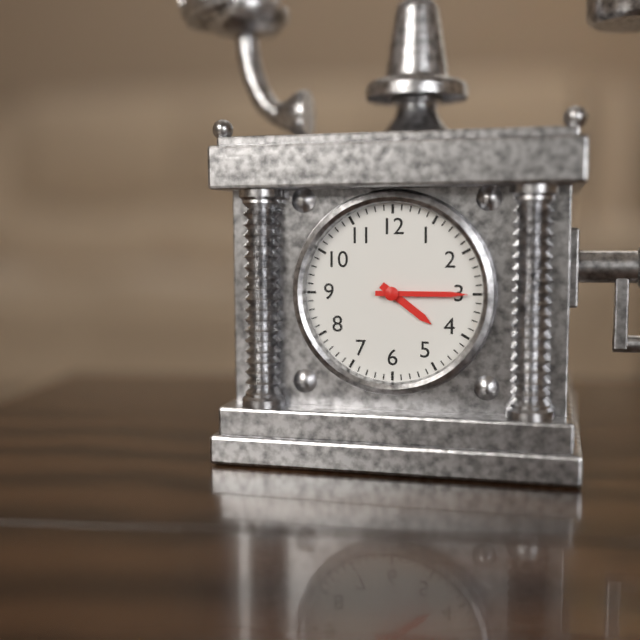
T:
4:15
